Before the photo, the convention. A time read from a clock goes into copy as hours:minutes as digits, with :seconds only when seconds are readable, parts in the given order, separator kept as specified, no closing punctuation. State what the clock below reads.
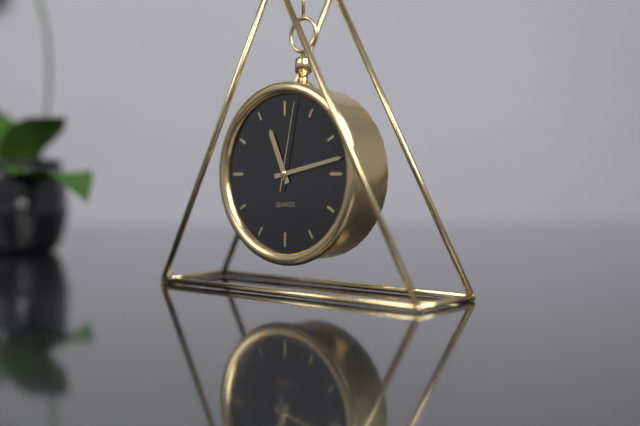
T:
11:13:02
